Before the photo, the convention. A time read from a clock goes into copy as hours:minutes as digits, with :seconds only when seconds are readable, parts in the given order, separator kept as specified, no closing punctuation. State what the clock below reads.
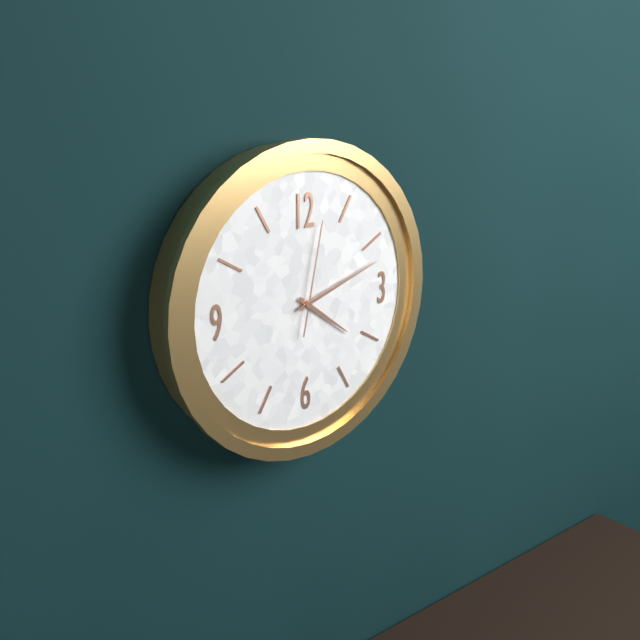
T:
4:12:02
